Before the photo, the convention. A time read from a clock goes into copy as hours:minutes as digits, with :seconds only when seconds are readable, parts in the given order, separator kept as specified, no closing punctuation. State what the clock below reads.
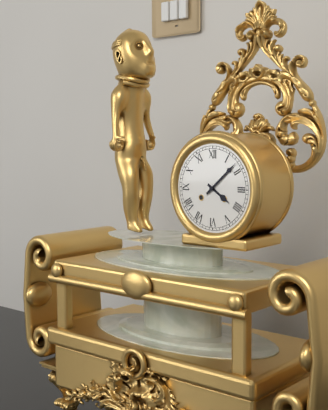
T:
4:08
